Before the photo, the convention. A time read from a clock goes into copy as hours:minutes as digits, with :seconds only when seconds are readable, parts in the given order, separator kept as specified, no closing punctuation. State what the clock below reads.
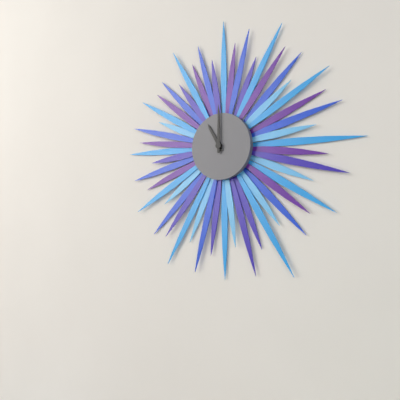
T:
11:00
